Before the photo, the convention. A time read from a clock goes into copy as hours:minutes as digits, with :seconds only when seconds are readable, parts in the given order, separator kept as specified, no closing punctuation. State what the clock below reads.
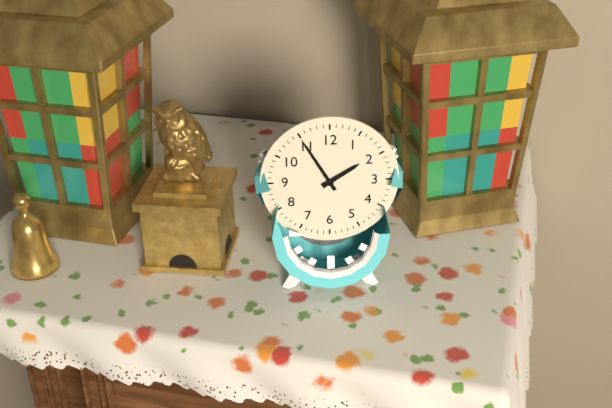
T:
1:55
